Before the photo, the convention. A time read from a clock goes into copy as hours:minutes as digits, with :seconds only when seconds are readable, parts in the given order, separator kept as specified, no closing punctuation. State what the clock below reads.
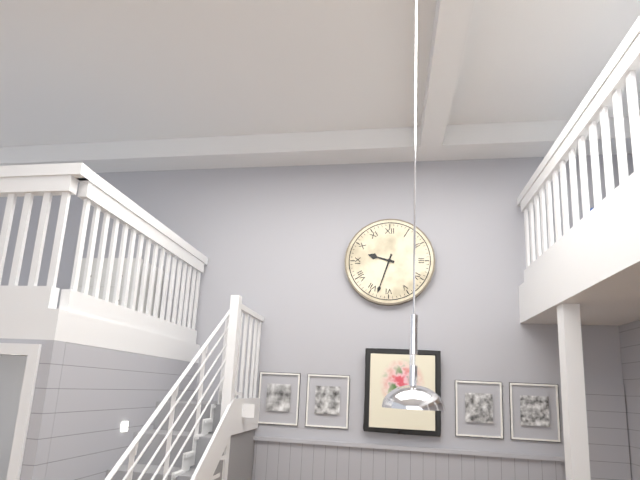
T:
9:33
